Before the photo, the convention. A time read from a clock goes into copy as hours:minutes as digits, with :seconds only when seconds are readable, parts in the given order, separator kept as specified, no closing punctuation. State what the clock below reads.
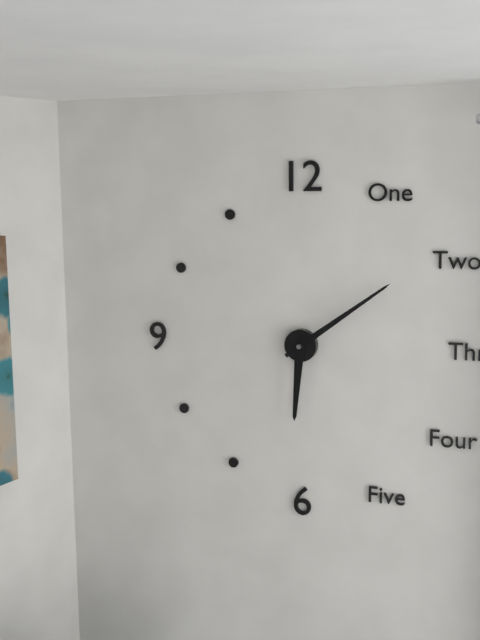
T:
6:09
